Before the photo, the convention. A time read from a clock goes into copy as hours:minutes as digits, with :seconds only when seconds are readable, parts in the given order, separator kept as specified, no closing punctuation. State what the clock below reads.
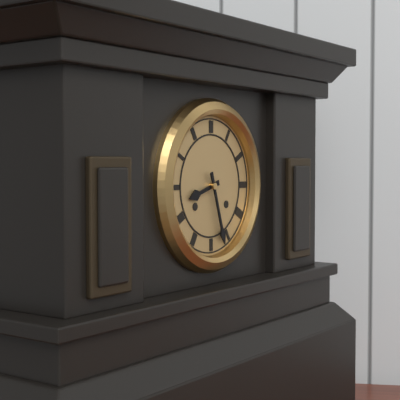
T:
8:27
